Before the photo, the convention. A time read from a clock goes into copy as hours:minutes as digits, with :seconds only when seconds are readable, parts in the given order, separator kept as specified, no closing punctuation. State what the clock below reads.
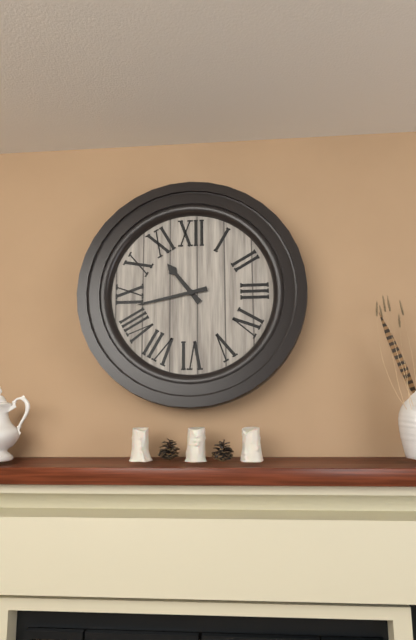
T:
10:43
